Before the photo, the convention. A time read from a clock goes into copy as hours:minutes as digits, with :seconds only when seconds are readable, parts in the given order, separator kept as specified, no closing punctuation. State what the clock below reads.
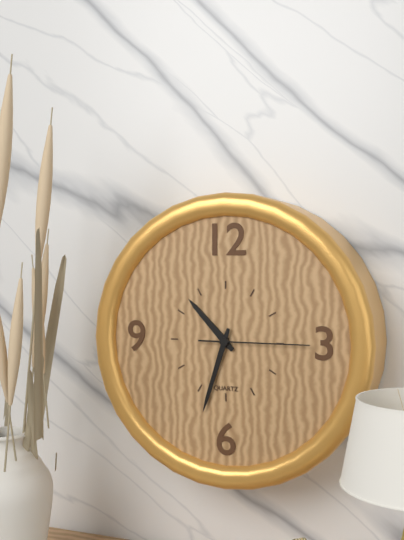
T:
10:33:15
